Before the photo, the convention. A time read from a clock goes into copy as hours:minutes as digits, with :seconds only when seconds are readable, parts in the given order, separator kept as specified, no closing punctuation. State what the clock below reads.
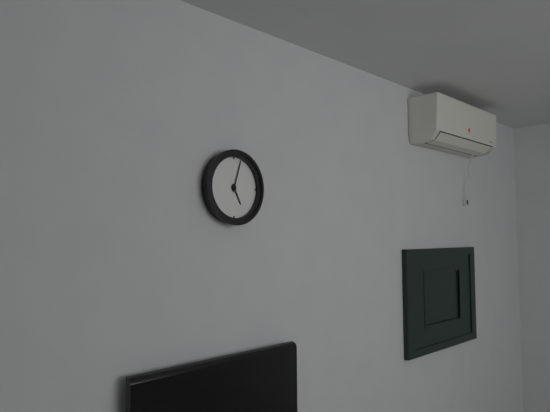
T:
5:03
